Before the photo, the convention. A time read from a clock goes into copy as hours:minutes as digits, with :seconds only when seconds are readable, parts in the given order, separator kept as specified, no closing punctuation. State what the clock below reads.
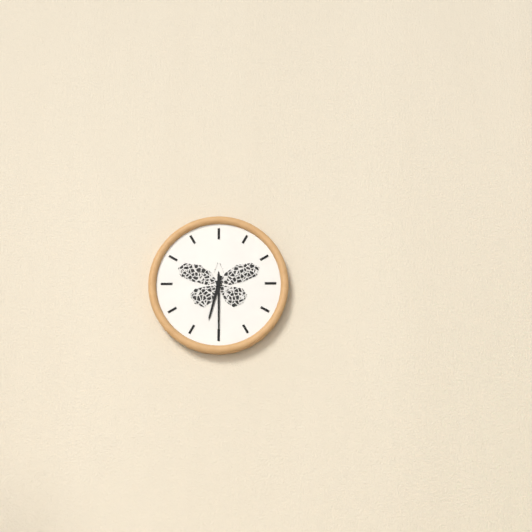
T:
6:30
